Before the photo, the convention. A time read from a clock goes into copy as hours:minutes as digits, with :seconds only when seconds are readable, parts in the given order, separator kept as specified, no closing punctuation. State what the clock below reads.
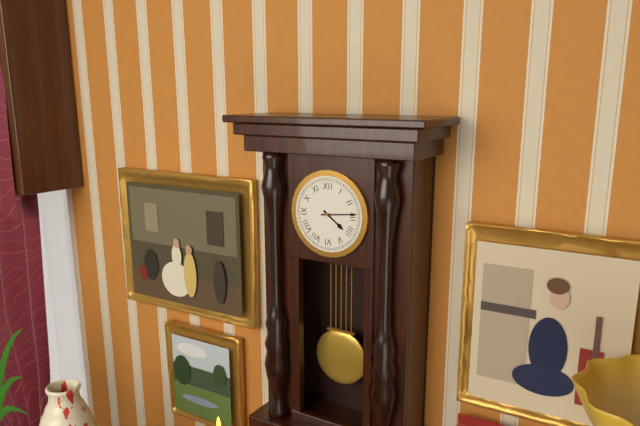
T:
4:14
